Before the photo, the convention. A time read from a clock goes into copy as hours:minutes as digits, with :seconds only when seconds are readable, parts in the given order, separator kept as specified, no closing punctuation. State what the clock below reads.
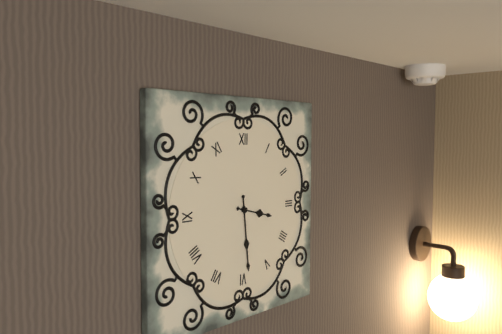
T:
3:29
